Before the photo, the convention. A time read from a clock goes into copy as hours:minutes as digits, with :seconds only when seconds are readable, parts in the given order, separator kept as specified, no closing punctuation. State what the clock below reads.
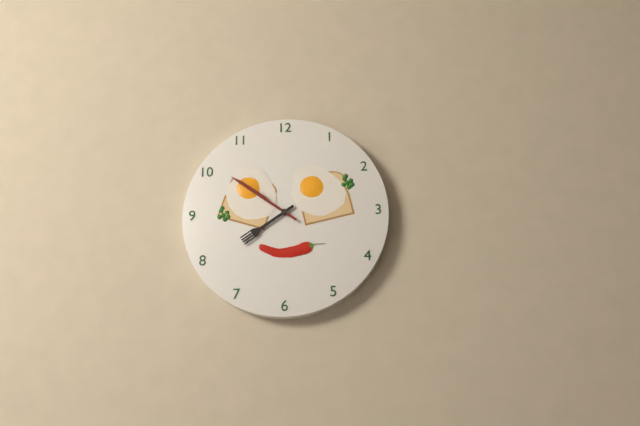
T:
7:51
